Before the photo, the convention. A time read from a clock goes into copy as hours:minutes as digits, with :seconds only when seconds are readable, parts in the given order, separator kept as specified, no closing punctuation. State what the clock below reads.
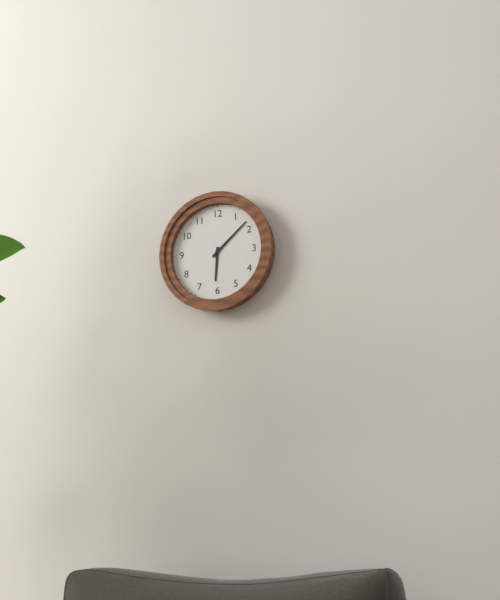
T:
6:08
